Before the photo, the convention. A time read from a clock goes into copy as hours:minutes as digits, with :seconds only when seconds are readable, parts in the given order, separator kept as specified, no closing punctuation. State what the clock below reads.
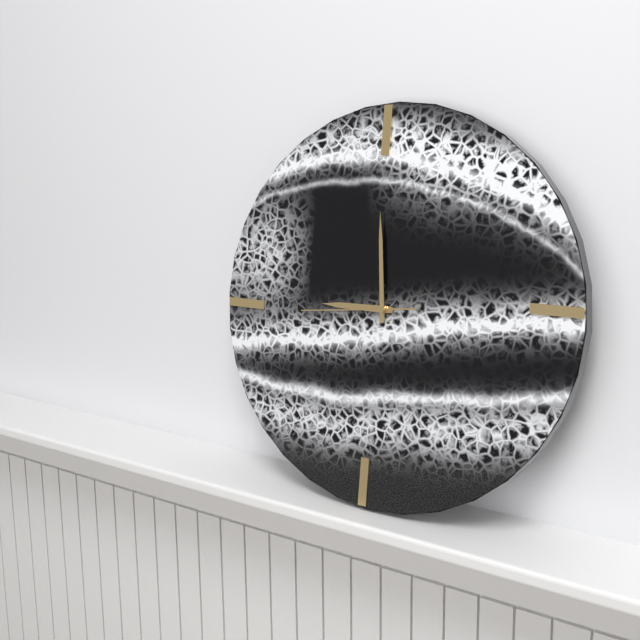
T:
8:59:44
